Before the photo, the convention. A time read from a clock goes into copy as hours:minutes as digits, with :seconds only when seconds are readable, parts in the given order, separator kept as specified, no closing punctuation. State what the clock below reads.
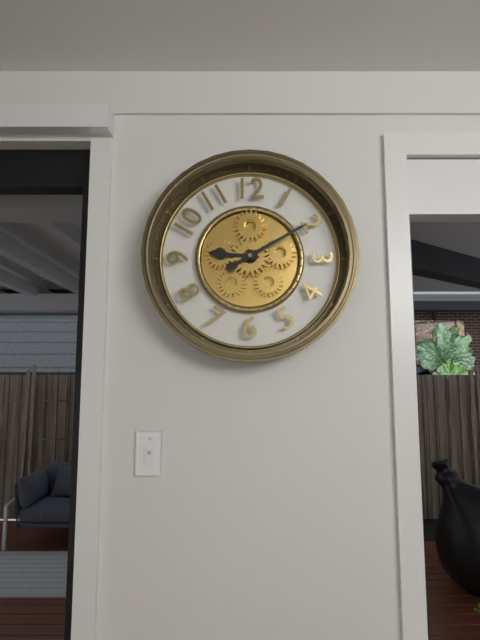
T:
9:10
